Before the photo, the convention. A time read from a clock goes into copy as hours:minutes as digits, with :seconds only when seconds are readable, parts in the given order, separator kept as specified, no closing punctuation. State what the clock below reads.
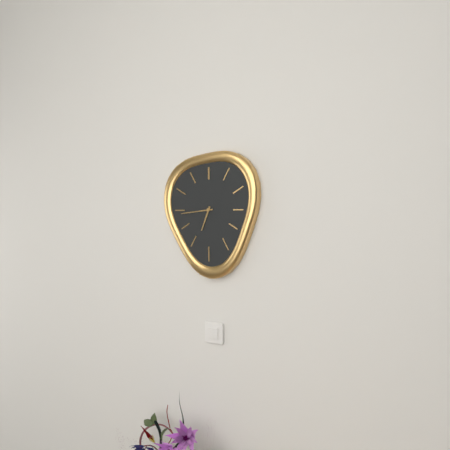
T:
6:44
